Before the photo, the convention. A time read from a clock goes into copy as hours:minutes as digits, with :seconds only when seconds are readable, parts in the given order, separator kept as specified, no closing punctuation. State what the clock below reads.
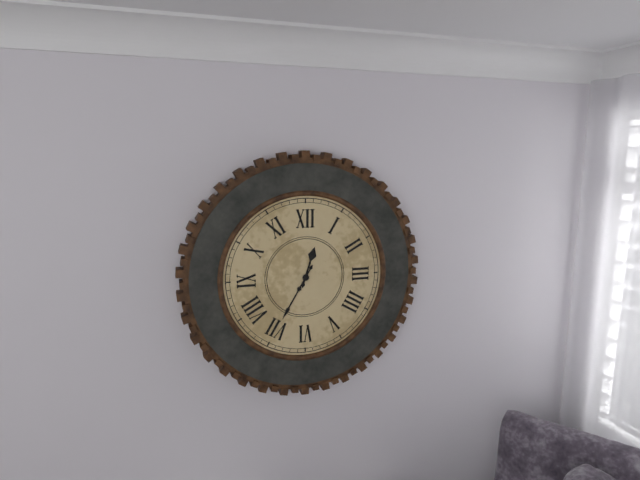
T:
12:35
